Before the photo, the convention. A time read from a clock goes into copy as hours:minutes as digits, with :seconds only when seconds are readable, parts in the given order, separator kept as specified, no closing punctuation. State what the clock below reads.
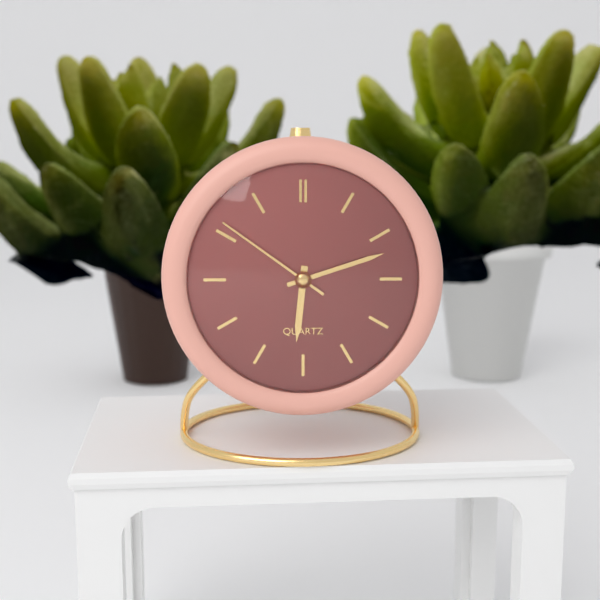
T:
6:12:51
